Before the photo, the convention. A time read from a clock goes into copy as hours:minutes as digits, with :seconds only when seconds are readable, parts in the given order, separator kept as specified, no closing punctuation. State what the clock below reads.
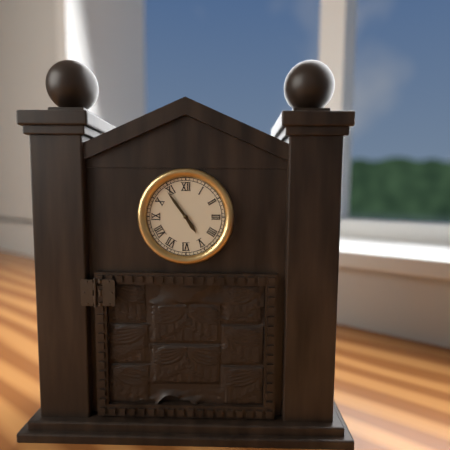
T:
4:54
